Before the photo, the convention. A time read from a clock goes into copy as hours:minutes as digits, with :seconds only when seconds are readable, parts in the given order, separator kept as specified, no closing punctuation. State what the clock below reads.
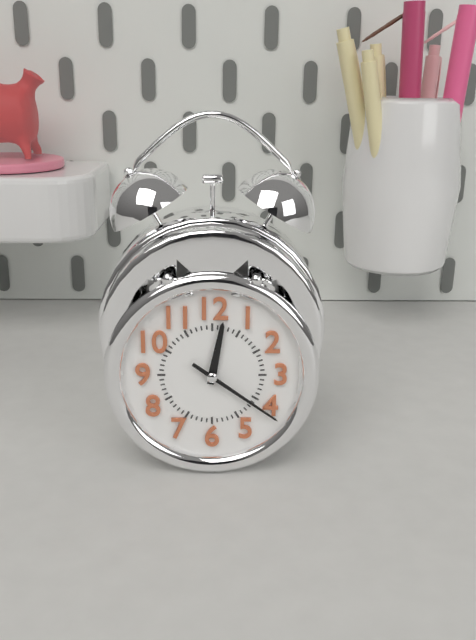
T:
12:21
